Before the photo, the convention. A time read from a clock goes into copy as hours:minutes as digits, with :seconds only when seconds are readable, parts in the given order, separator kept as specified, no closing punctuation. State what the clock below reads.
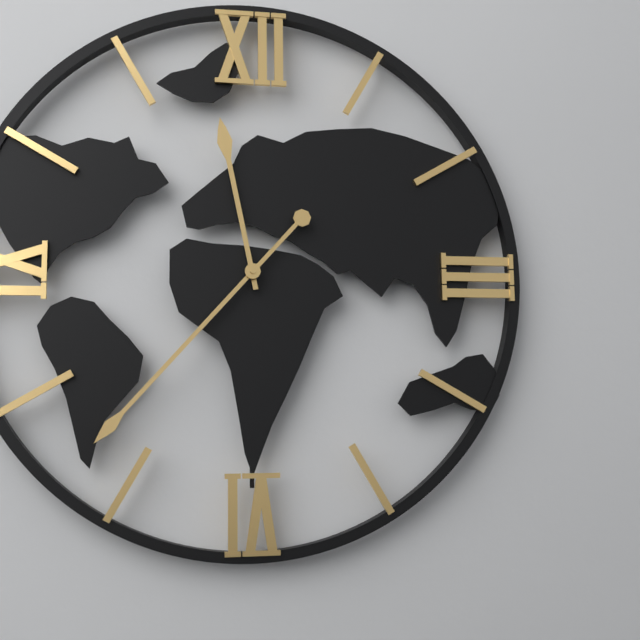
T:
11:37
